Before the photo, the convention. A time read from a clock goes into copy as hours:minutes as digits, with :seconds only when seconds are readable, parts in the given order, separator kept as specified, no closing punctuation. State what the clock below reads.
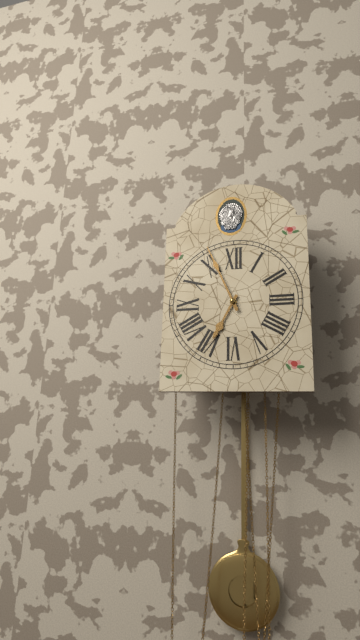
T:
6:56
